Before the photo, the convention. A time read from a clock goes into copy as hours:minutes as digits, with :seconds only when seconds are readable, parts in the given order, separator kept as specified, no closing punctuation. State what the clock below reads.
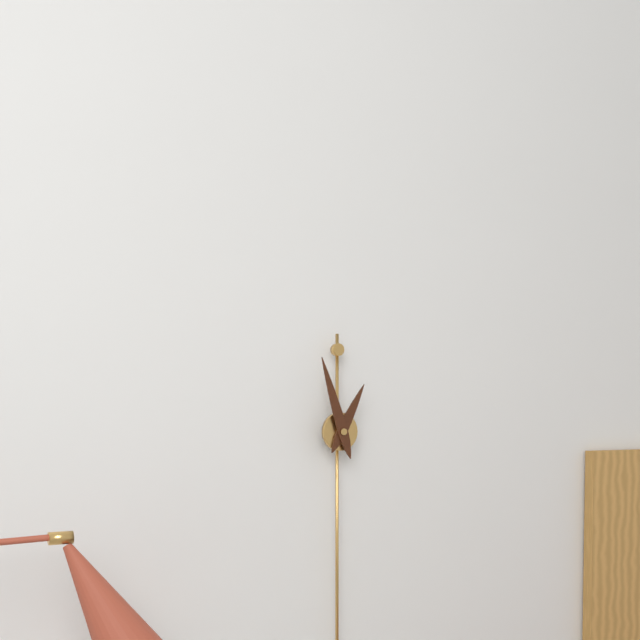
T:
12:57
